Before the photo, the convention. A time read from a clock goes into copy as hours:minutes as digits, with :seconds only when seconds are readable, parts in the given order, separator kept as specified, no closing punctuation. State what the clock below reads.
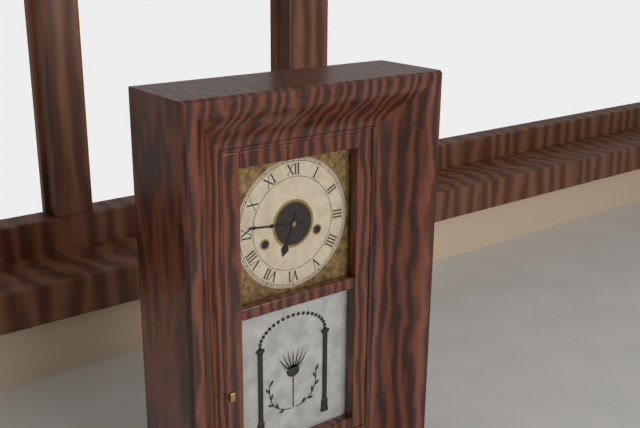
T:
6:46
